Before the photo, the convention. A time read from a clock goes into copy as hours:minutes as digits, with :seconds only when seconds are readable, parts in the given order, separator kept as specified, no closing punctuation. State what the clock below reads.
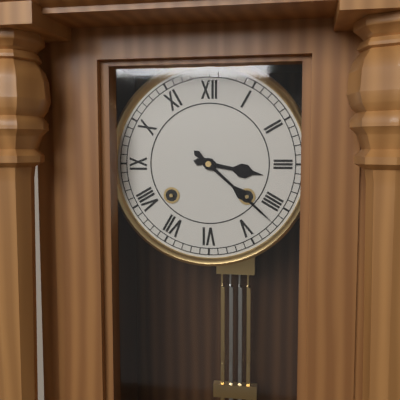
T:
3:22
